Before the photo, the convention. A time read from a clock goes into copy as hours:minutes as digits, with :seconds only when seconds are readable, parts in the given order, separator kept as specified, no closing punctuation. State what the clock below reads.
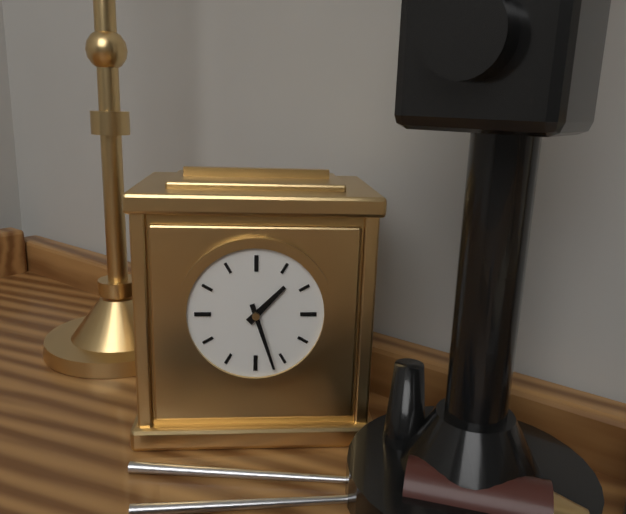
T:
1:27
